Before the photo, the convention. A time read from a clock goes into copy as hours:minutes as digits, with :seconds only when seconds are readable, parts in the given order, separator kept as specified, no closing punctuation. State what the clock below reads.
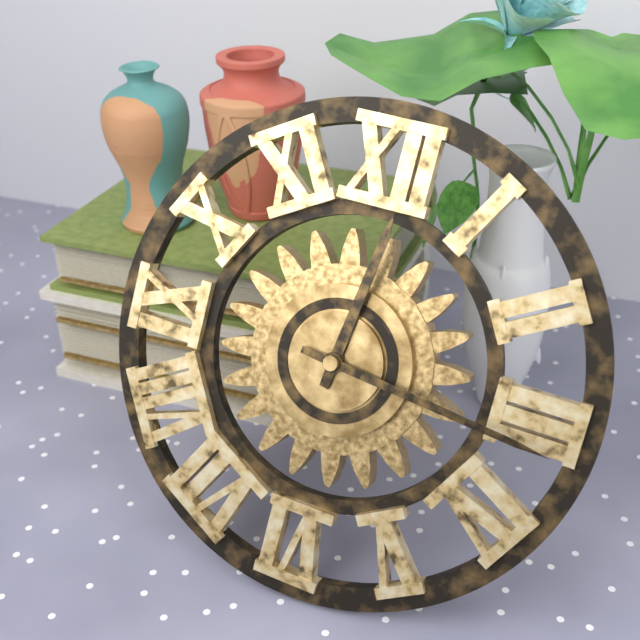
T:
12:16
